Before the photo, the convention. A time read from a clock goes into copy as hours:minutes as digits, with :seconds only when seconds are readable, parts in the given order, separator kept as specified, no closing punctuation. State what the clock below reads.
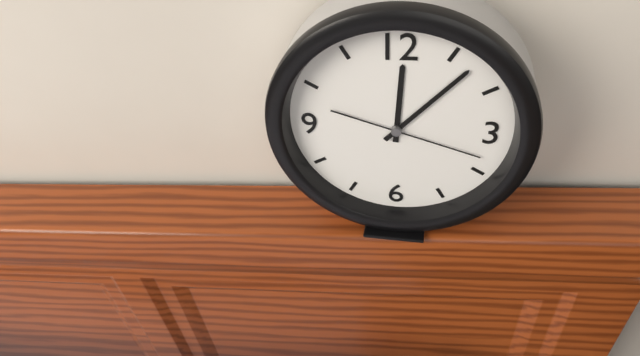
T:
12:07:18
